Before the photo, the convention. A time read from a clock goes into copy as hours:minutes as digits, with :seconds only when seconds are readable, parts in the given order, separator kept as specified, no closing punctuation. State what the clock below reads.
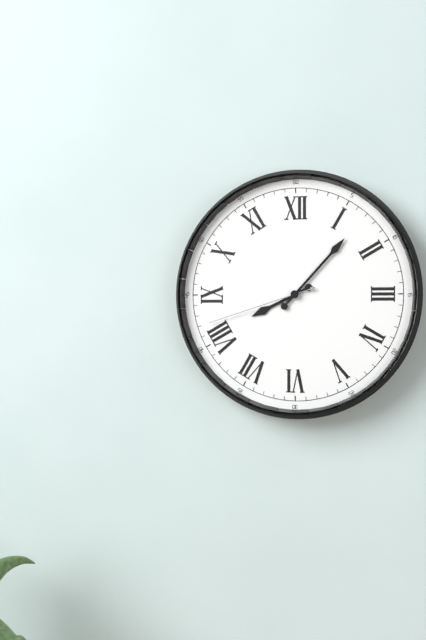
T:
8:07:42
